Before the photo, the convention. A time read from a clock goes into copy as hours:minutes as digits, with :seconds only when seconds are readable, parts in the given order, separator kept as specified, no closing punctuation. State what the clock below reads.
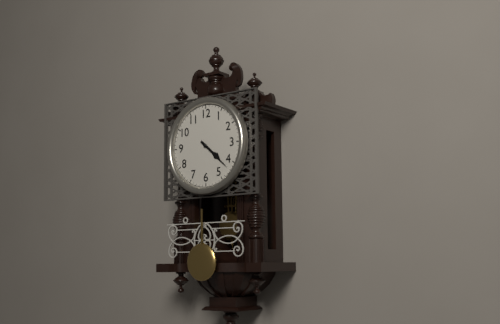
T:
4:22
